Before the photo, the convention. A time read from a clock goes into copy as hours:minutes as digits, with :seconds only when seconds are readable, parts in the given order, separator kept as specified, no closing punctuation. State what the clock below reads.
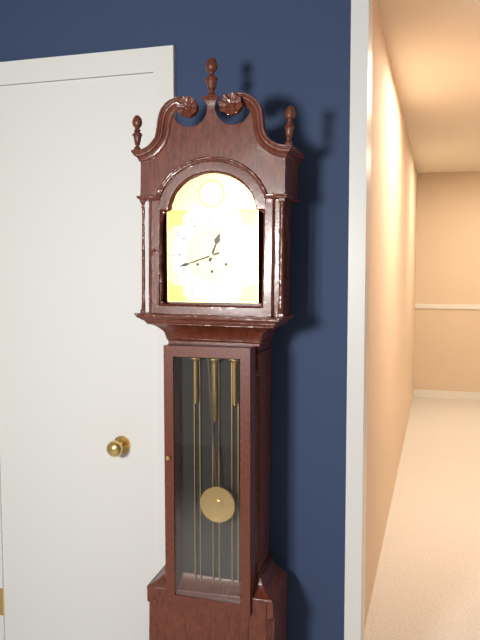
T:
12:42
